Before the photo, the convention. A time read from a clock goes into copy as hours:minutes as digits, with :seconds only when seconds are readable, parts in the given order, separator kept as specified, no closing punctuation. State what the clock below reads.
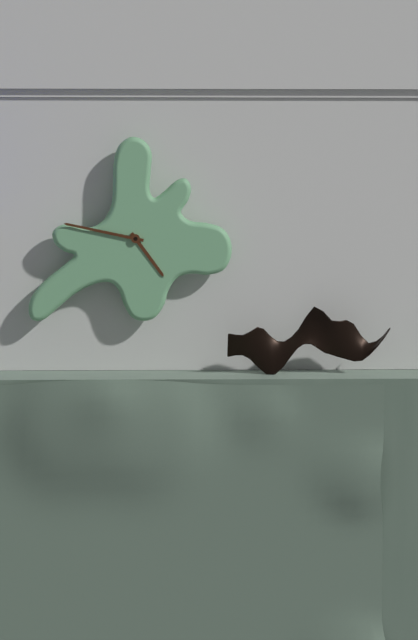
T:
4:47
